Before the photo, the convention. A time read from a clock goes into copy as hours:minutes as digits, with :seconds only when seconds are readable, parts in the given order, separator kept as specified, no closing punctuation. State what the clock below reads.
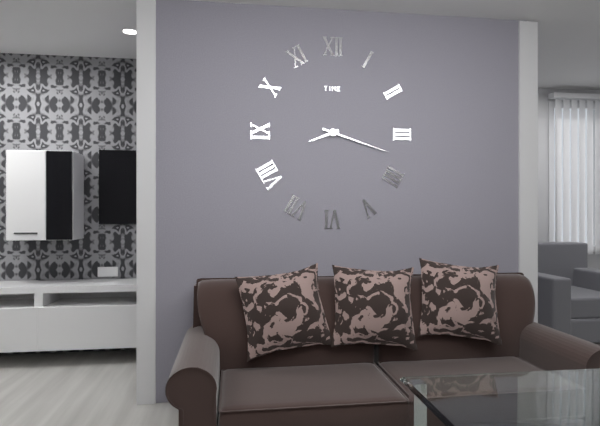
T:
8:18
